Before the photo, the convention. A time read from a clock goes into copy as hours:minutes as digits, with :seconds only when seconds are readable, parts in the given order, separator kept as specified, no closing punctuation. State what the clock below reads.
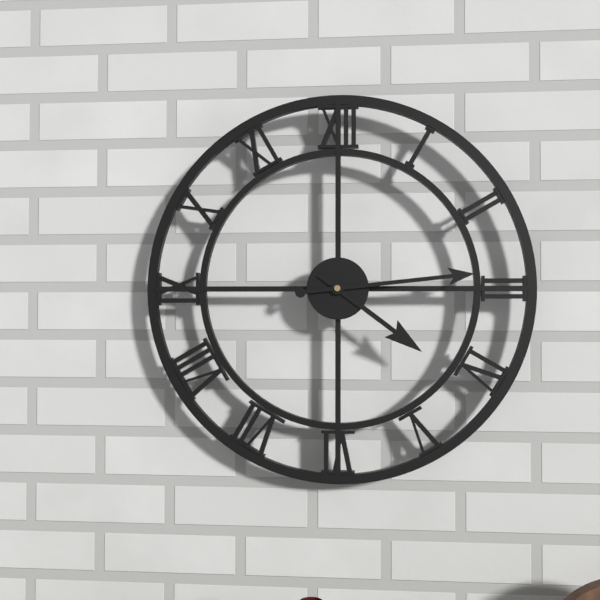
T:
4:14
